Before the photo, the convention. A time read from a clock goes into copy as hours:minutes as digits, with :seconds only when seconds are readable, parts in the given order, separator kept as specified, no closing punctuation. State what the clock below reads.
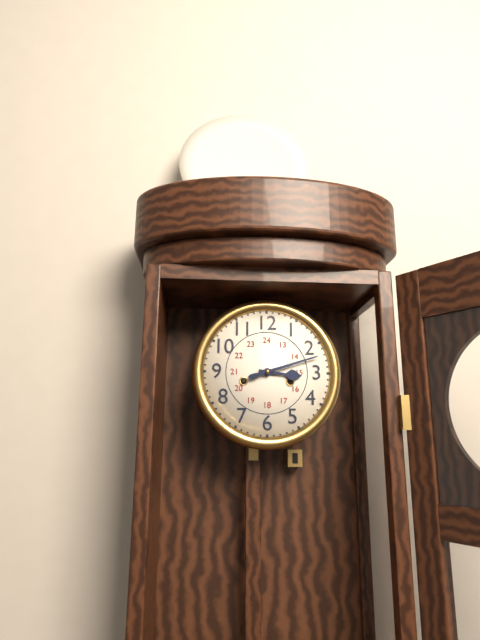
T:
3:12
